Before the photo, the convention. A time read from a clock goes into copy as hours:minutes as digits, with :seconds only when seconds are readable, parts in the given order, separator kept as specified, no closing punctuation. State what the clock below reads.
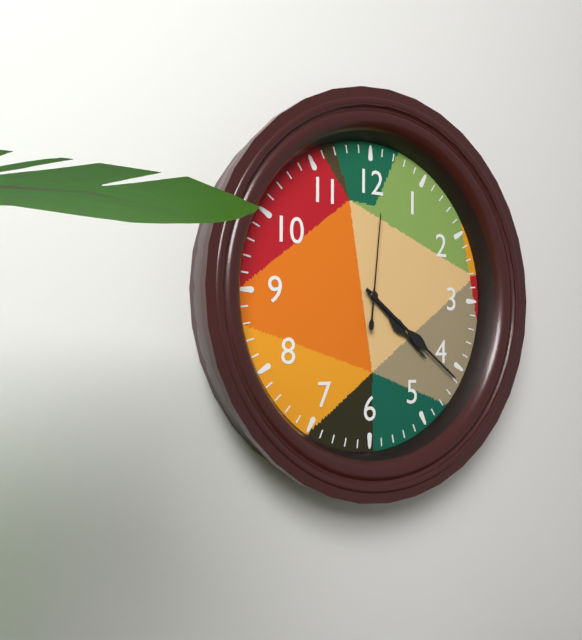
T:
4:21:01
